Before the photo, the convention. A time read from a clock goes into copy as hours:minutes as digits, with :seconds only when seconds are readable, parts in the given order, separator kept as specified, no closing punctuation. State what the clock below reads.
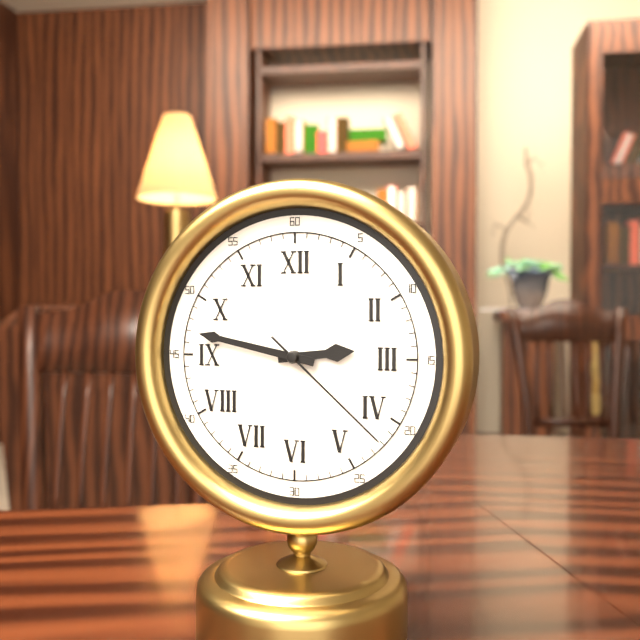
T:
2:47:22
